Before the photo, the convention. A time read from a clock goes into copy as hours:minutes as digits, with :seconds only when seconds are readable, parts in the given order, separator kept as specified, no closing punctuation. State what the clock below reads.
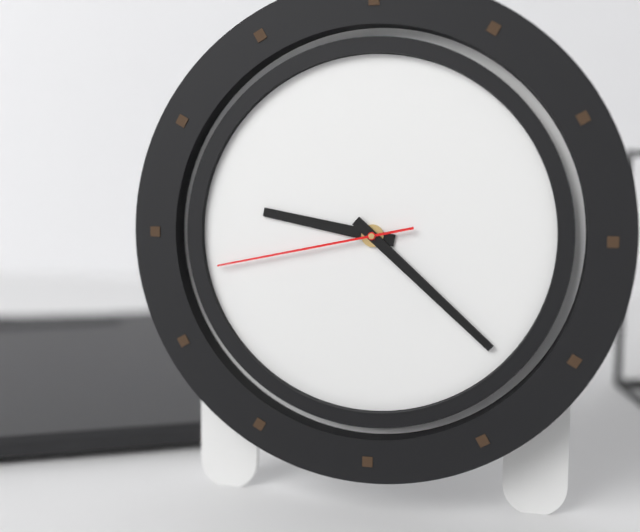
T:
9:22:43
